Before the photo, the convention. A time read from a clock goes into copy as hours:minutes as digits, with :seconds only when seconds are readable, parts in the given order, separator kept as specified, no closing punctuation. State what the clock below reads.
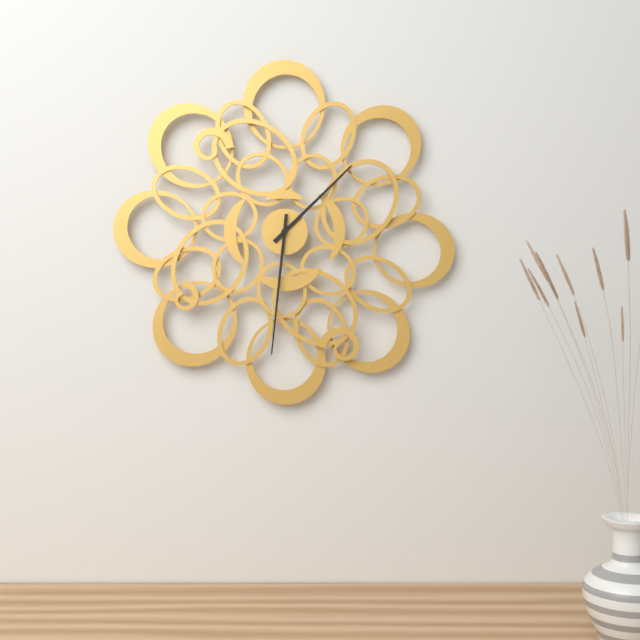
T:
1:31
